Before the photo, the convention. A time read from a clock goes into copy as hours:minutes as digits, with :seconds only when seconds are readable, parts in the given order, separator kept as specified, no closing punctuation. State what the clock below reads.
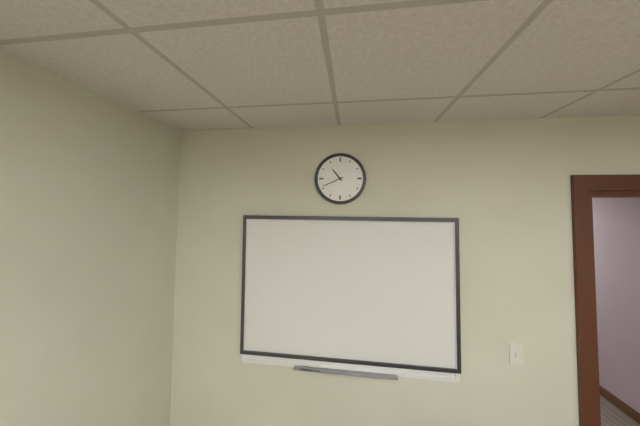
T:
10:41
